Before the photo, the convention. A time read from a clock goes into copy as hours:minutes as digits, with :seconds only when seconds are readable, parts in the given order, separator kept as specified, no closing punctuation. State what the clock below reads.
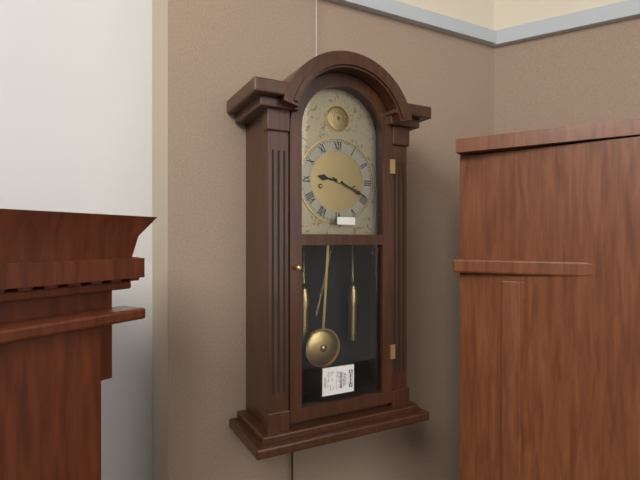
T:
9:19
